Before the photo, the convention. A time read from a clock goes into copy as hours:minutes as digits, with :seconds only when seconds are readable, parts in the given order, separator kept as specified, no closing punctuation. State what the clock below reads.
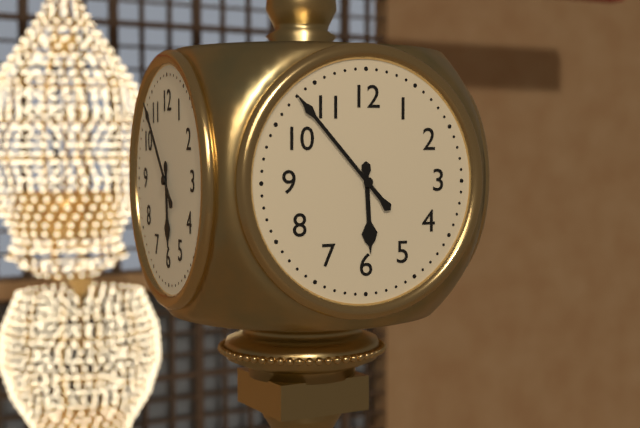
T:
5:53
